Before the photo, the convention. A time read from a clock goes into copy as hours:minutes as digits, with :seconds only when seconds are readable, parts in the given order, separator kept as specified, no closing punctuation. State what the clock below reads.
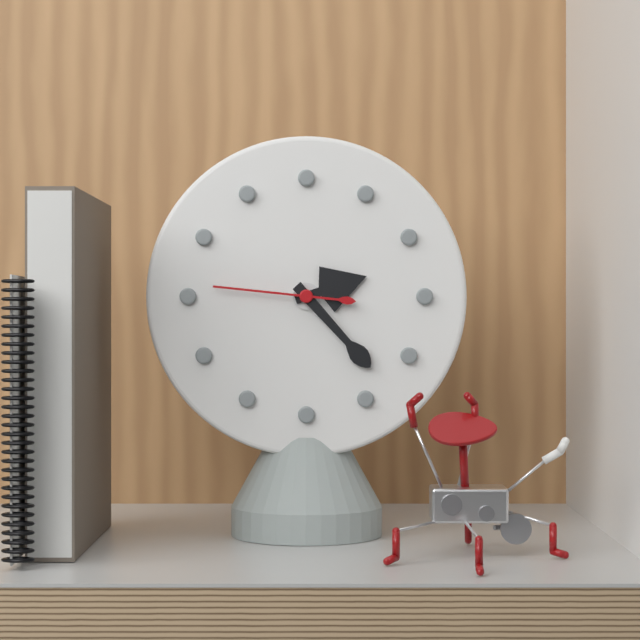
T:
2:23:46
